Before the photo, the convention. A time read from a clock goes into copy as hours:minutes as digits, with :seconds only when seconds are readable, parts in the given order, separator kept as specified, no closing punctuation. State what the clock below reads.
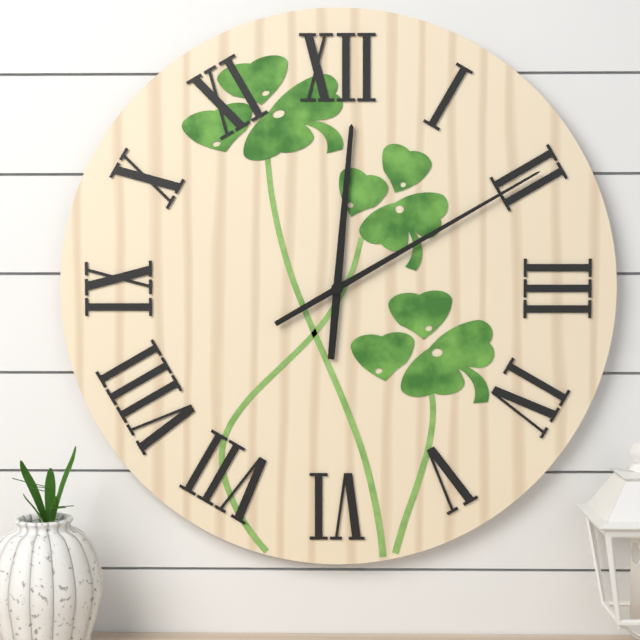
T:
12:10
